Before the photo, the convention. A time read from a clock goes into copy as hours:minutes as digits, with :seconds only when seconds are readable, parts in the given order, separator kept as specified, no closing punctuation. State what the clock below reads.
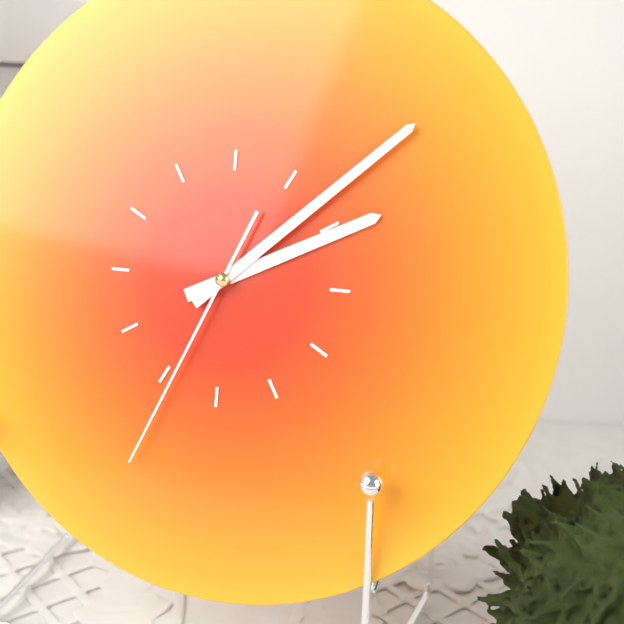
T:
2:08:34
